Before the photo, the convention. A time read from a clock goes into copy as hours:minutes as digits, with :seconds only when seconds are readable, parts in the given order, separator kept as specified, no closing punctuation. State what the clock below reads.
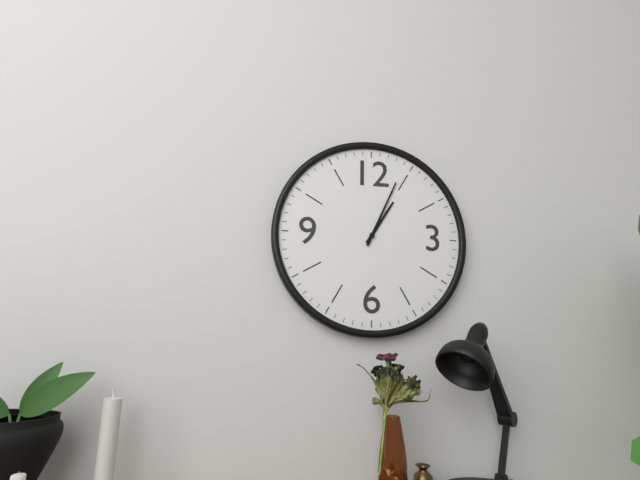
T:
1:04
